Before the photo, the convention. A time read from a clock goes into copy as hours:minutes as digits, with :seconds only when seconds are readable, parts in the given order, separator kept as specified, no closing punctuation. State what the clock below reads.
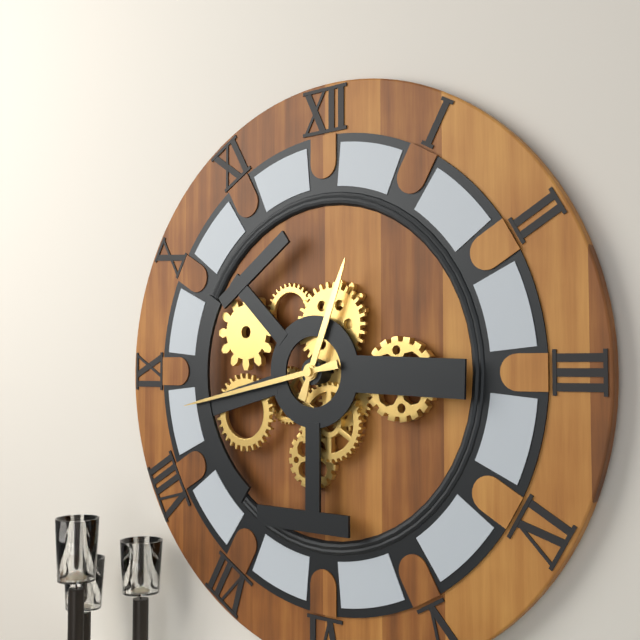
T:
12:43
